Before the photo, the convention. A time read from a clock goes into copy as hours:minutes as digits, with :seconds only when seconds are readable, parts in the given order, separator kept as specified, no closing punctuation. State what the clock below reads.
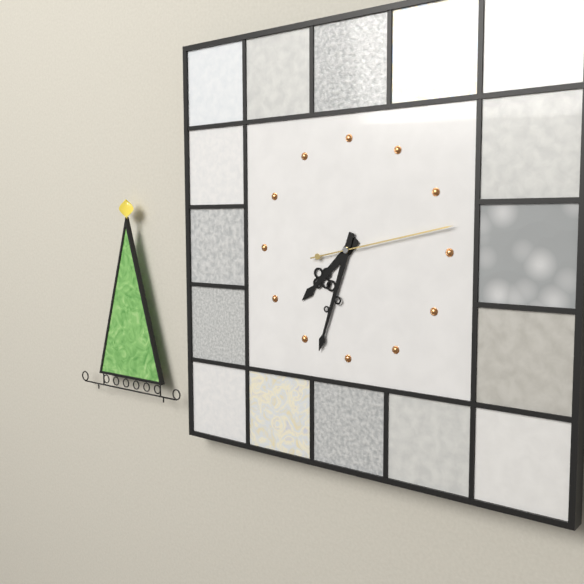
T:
7:33:13
